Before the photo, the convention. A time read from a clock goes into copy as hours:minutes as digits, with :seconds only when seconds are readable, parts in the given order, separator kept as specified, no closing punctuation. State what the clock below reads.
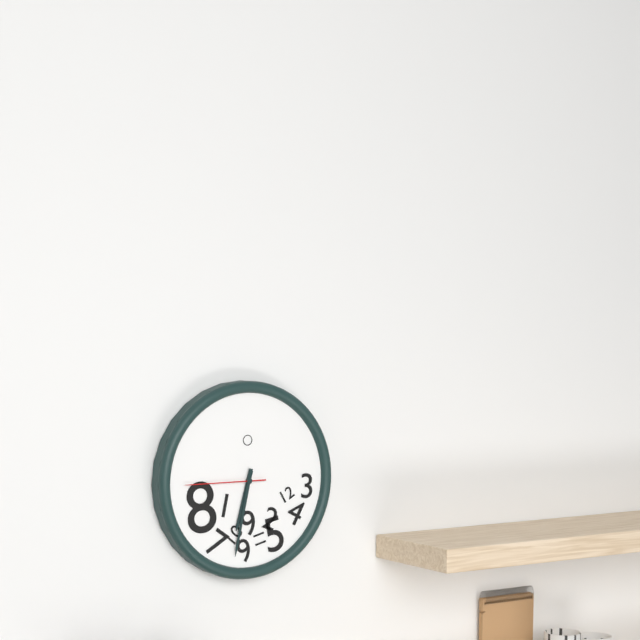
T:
6:32:45
